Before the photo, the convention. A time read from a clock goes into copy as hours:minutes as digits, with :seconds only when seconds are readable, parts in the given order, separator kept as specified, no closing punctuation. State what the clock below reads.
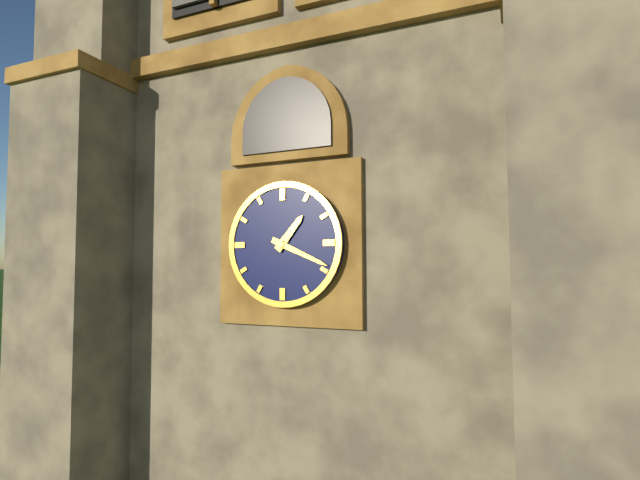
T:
1:19
